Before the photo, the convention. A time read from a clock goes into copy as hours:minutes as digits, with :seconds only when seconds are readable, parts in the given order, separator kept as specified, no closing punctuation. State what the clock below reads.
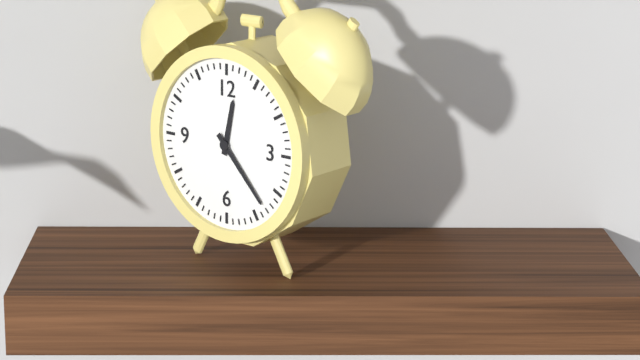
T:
12:23
